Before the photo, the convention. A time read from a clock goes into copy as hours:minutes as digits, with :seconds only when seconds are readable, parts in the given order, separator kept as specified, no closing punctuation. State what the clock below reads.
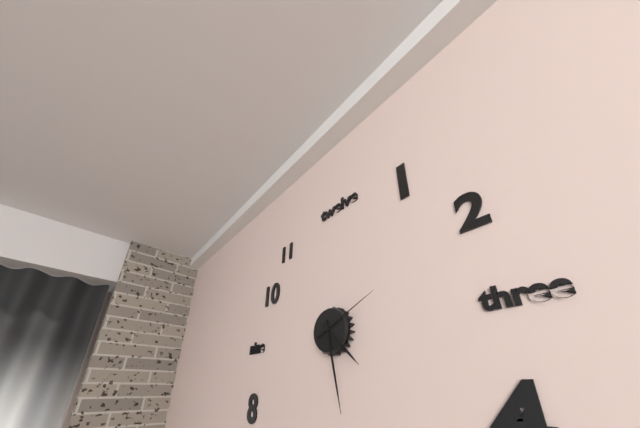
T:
4:28:11
